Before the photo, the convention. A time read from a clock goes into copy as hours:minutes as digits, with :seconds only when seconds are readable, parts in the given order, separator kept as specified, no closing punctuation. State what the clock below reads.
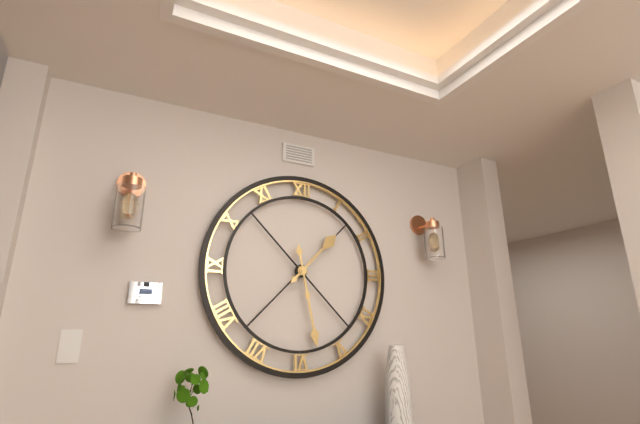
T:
1:28
